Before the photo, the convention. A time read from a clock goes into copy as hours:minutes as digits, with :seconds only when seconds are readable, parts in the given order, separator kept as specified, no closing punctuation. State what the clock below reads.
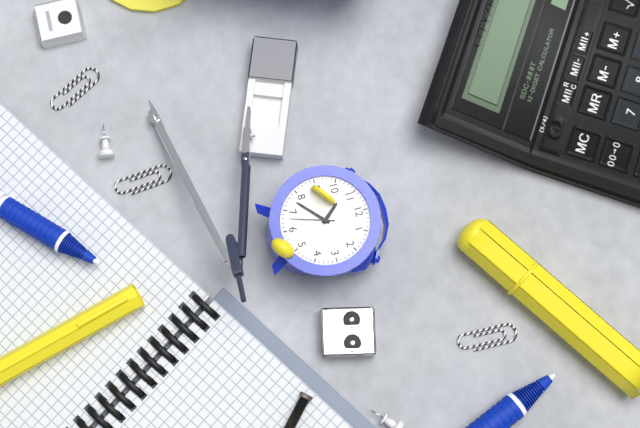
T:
10:38
